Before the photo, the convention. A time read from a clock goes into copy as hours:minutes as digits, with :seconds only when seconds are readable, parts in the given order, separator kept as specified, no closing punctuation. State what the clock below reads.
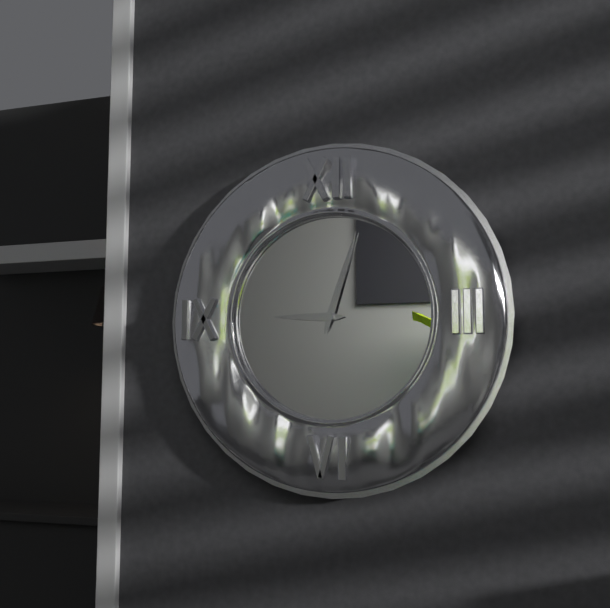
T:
9:03
